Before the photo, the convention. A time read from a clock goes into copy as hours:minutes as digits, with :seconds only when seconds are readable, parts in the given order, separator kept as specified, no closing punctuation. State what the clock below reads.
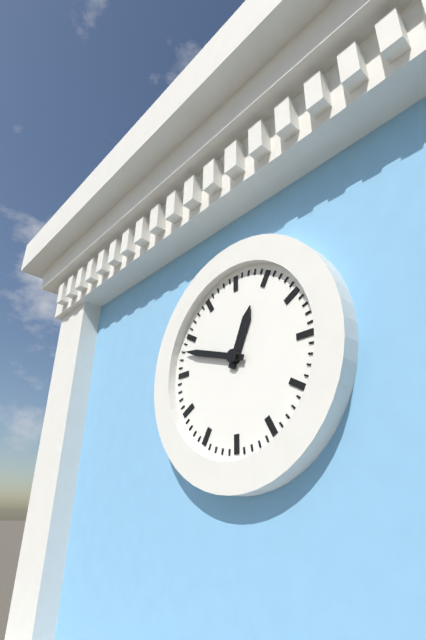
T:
12:48
